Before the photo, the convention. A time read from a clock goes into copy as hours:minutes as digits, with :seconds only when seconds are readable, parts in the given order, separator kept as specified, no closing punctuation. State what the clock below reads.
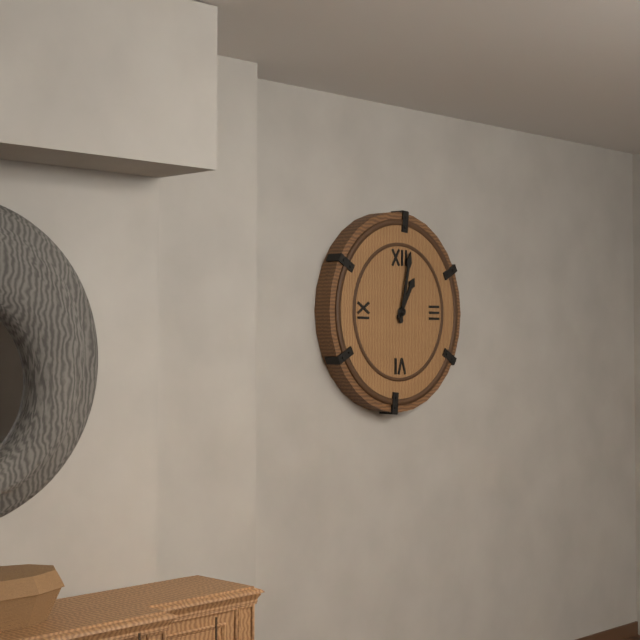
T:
1:02
